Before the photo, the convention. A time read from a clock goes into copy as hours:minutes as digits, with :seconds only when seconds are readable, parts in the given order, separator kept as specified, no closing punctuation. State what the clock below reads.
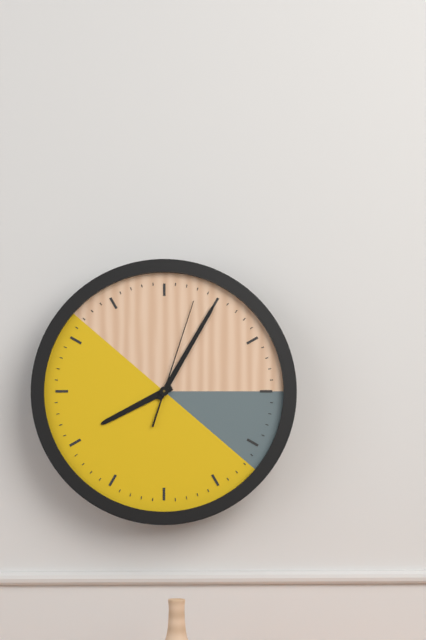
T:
8:05:03
